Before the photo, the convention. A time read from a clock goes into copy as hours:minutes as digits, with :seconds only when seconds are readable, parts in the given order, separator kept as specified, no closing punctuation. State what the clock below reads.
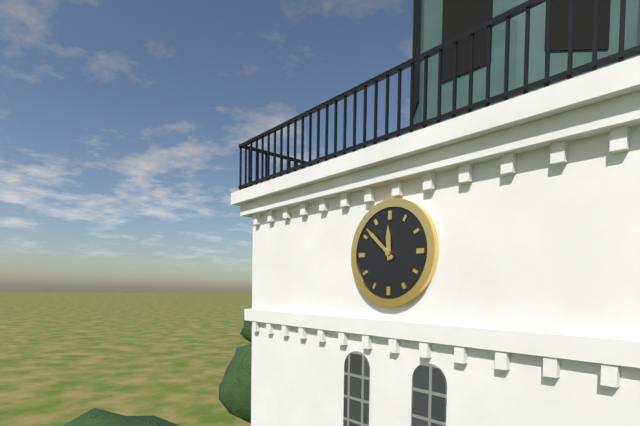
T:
11:52
